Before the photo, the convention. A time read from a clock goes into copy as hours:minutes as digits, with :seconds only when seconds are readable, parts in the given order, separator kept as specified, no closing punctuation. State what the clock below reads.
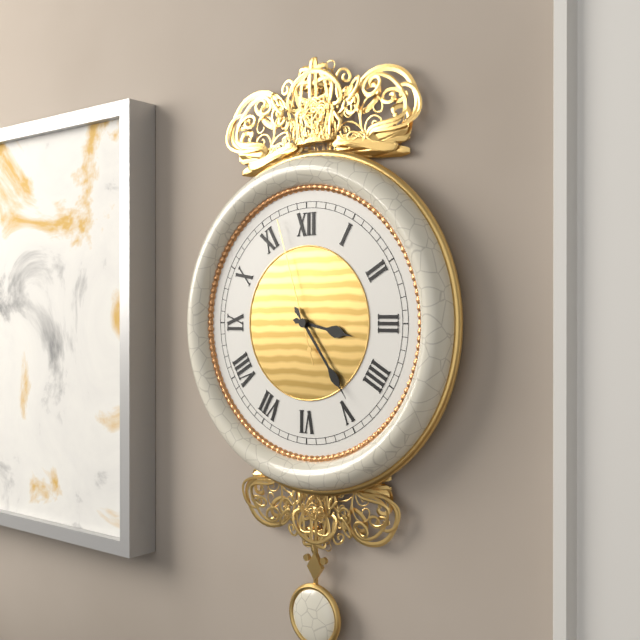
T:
3:24:57
